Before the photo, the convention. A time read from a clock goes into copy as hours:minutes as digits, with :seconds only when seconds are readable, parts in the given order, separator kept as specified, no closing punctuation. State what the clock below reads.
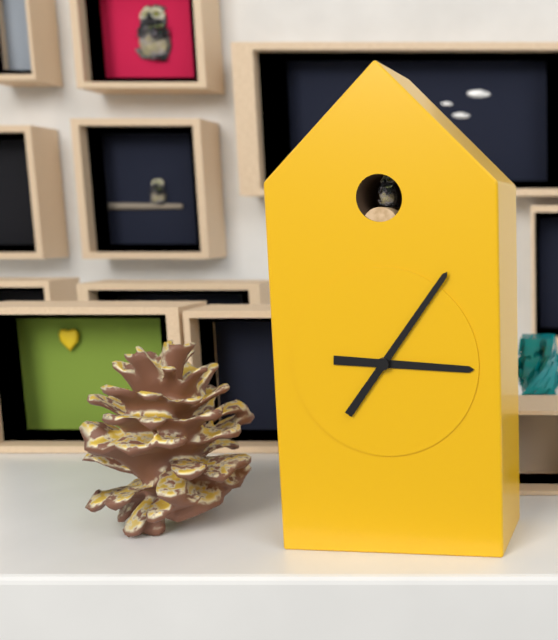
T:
3:06
